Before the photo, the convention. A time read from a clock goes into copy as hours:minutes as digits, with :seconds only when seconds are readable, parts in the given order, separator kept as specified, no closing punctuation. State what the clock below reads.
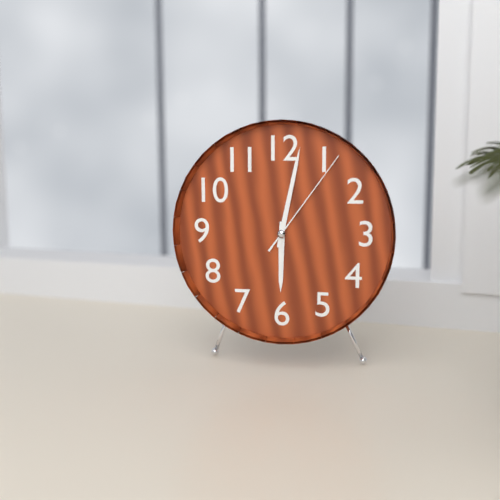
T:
6:02:06
